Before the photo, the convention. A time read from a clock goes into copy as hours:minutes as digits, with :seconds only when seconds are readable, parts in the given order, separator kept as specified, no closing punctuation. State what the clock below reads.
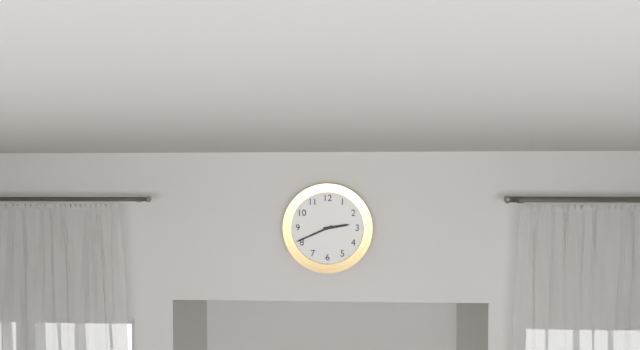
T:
2:41
